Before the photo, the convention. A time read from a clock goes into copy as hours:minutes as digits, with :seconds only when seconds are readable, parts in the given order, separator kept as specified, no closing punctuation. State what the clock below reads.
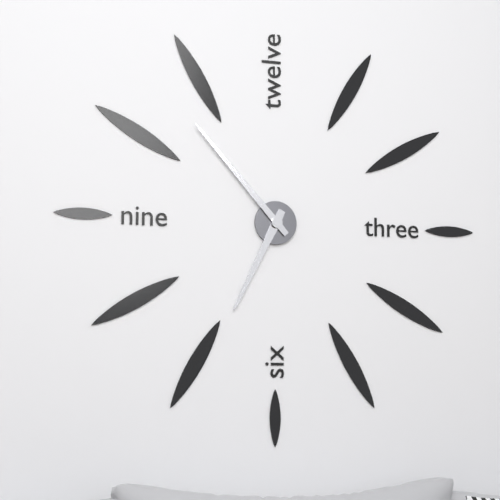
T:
6:53
